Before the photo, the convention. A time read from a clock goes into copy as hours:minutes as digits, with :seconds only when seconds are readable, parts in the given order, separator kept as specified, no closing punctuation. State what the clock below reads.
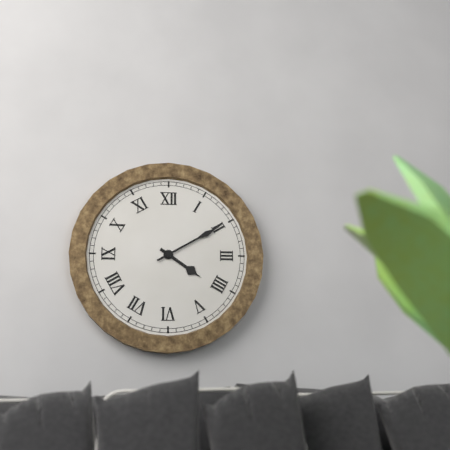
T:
4:10
